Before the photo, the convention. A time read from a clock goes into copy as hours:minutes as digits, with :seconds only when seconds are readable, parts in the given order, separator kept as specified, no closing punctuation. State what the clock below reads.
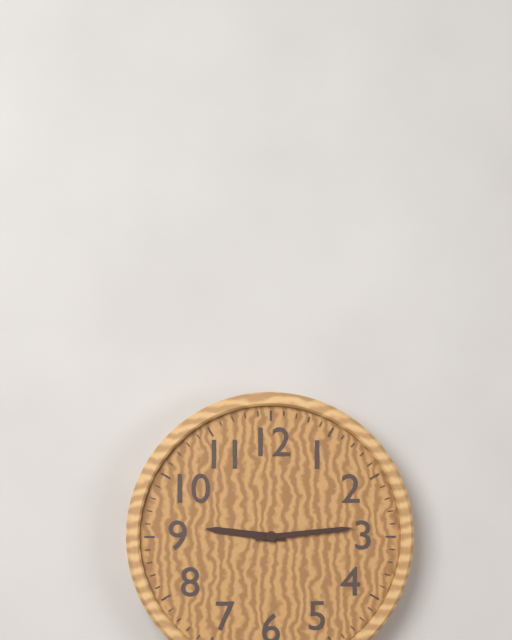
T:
9:14
